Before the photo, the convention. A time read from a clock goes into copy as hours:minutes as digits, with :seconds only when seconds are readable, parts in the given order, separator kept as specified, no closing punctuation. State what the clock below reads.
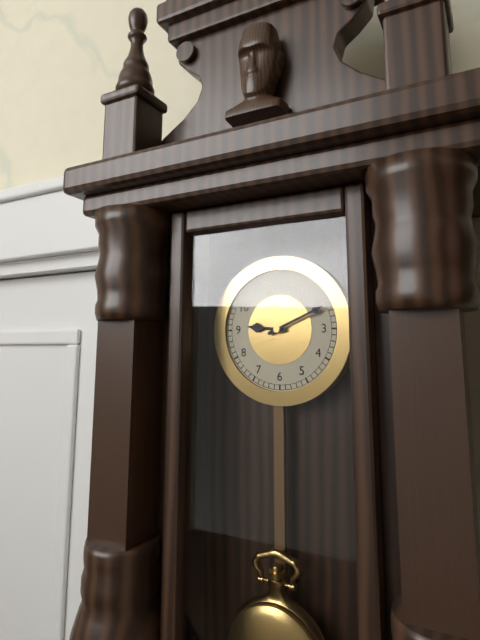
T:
9:11
